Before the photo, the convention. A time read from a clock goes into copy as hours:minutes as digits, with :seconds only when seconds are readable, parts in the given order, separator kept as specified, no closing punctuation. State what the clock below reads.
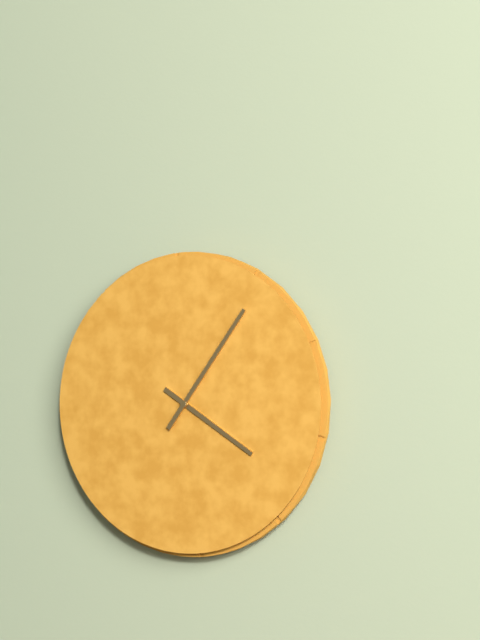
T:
4:06
